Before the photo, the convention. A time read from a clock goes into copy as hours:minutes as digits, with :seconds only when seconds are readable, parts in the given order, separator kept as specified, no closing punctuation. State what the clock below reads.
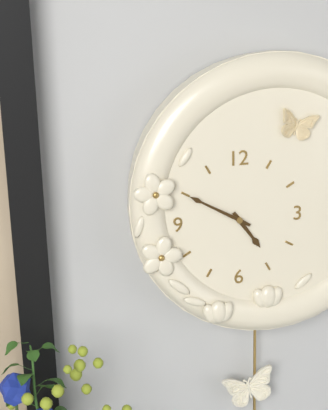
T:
4:50
